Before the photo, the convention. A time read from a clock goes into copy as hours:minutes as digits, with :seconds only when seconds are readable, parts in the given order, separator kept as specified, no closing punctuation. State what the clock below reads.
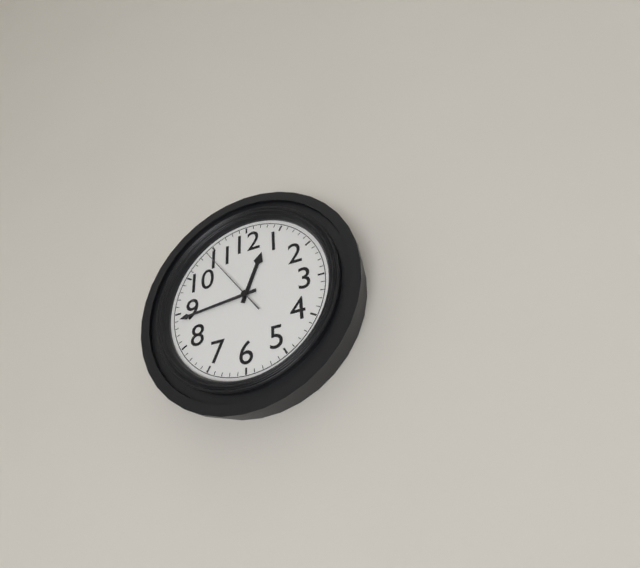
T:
12:44:54
